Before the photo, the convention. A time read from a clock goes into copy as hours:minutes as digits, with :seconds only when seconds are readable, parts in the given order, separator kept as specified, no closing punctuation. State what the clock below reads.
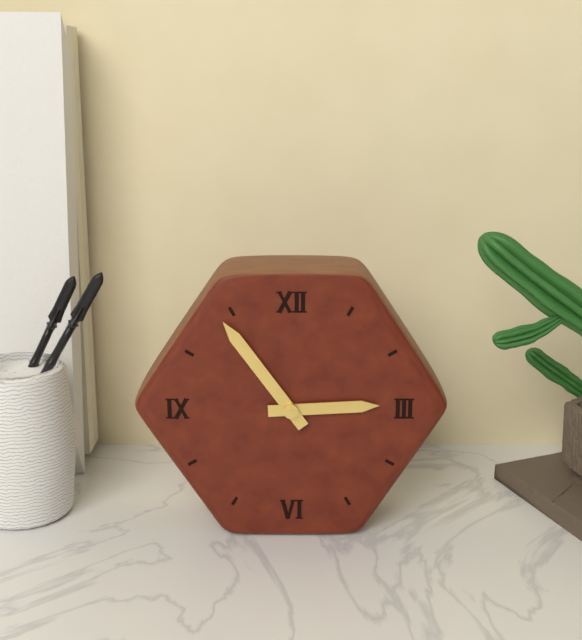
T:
2:54
